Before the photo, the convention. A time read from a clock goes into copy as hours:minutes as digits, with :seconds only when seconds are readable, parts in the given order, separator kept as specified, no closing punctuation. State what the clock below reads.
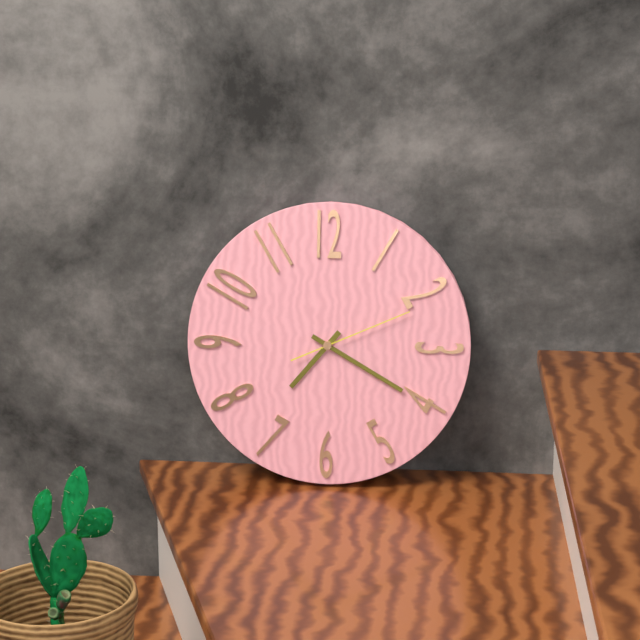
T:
7:20:11
